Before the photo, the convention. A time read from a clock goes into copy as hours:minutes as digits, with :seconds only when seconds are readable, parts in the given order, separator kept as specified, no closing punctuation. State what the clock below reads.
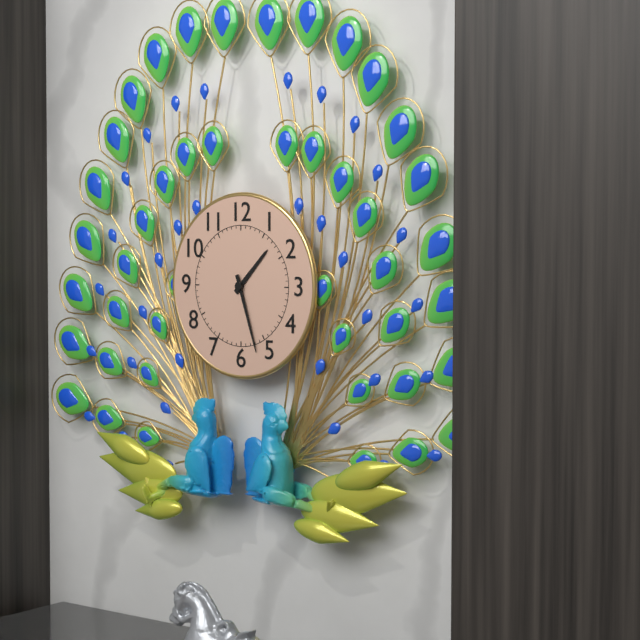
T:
1:27
